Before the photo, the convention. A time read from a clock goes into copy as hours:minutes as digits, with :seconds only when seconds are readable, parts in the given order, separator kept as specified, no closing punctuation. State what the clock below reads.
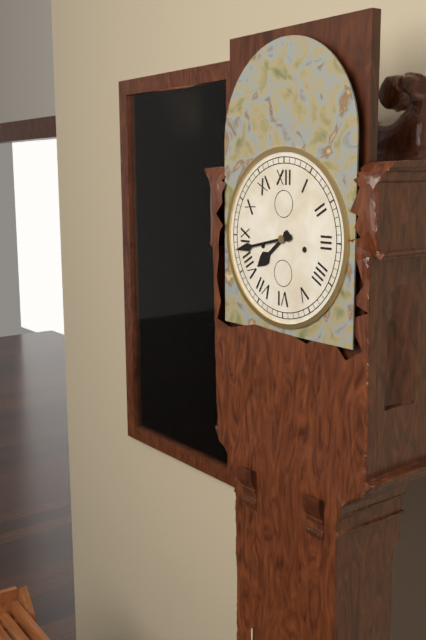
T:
7:43
